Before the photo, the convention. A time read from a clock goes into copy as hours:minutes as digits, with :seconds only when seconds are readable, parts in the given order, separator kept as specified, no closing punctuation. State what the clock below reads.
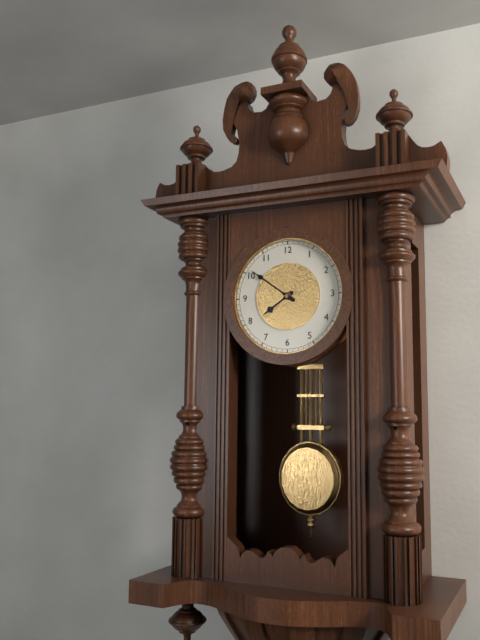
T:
7:51
